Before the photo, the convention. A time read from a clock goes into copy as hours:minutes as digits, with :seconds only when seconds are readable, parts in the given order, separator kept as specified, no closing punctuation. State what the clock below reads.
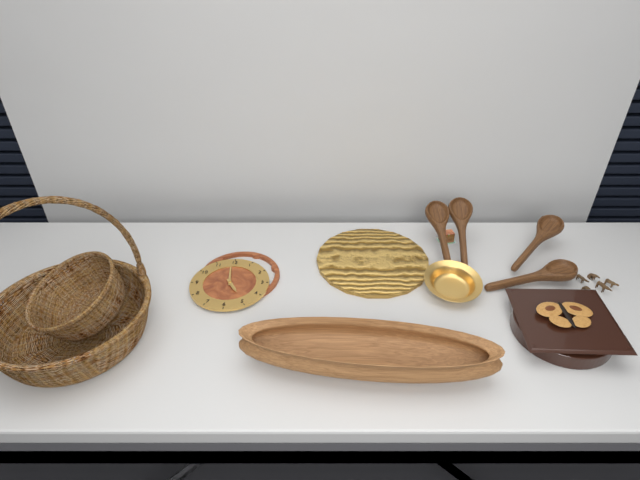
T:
4:59
